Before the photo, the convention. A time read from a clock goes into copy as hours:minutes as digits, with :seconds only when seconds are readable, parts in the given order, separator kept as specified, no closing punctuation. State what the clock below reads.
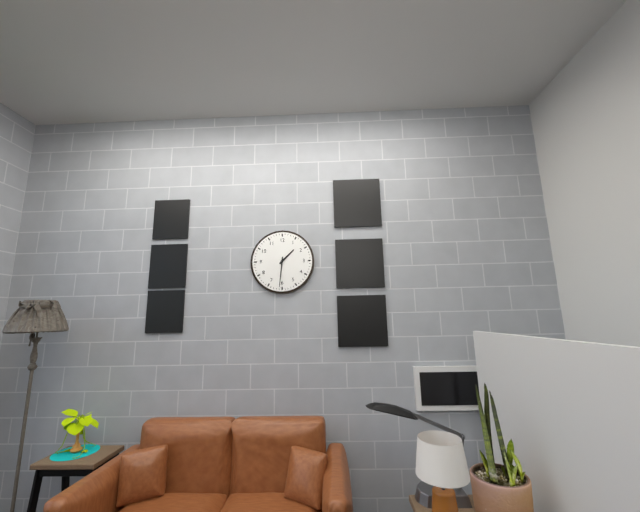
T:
1:31
